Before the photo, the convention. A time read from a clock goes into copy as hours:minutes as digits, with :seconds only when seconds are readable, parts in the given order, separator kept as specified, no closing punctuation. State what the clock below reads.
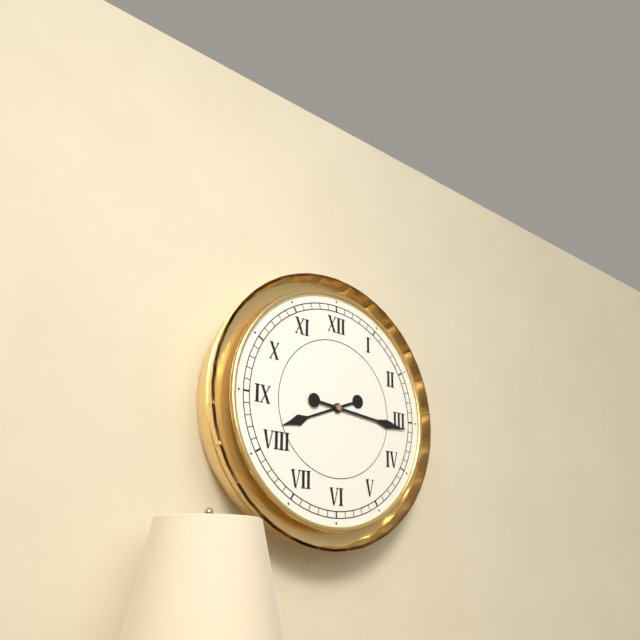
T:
8:16
